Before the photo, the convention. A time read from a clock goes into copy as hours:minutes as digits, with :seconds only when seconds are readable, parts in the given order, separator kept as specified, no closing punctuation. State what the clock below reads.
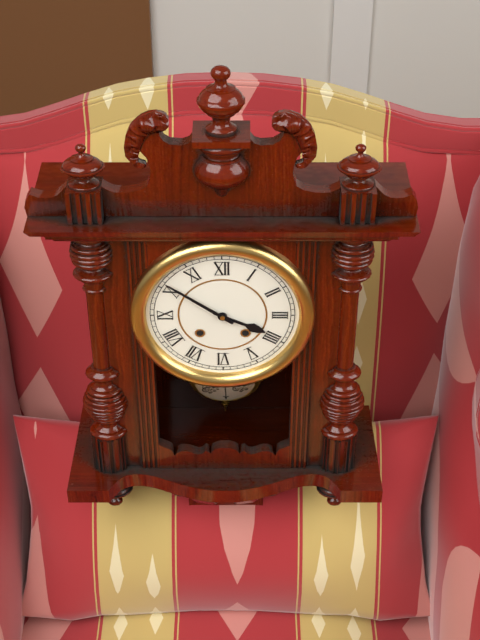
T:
3:51
